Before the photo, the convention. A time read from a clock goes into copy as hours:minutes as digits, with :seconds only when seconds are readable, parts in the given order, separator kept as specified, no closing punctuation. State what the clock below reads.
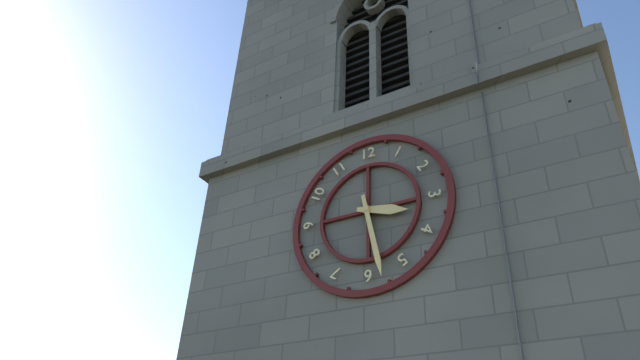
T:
3:28
